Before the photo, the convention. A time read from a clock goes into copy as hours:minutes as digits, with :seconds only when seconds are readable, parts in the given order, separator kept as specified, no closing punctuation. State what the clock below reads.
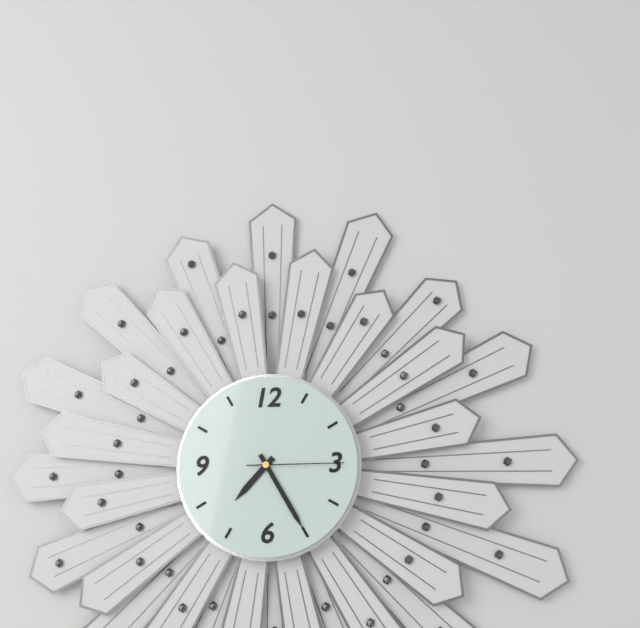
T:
7:25:15
